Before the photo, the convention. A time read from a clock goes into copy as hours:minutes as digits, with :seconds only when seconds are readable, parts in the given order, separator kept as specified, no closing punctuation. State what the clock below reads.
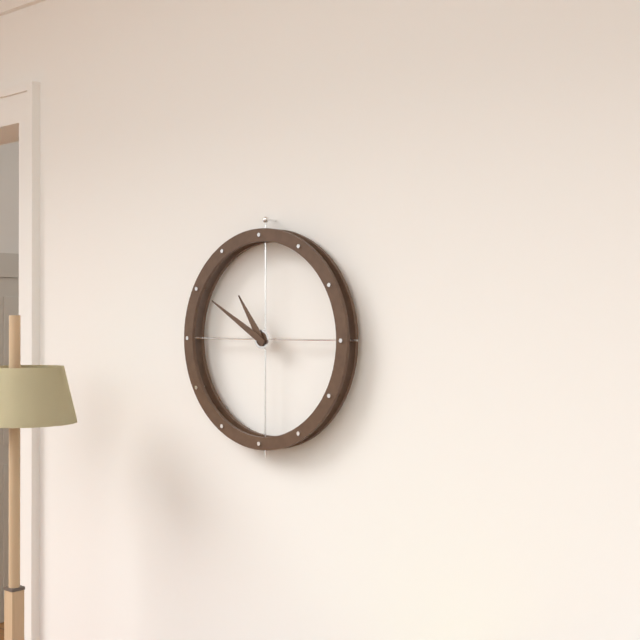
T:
10:50
